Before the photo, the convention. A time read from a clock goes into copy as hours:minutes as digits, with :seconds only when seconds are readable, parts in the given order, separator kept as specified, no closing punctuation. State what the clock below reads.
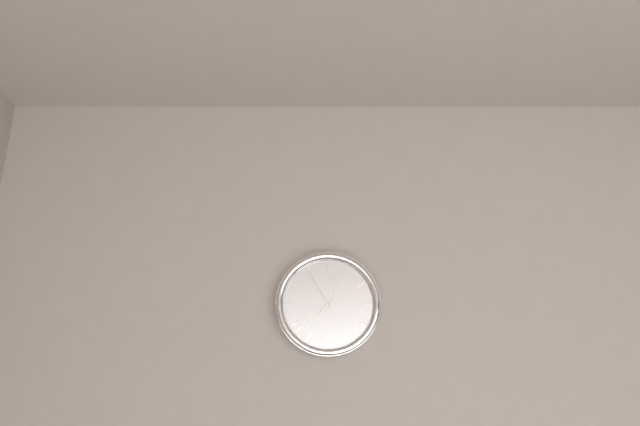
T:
12:38:55
